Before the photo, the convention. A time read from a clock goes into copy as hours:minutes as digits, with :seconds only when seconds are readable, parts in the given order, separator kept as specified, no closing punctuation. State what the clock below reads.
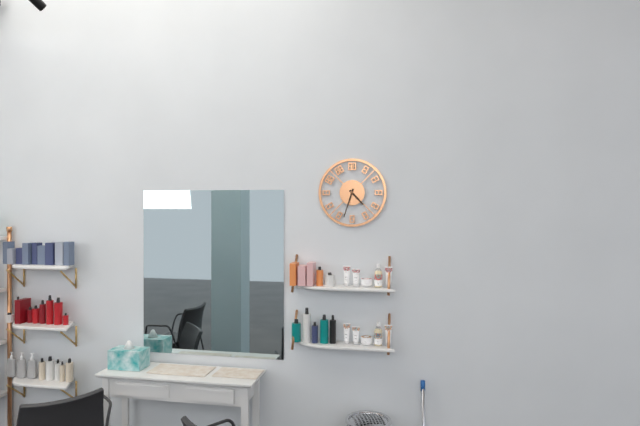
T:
4:33
